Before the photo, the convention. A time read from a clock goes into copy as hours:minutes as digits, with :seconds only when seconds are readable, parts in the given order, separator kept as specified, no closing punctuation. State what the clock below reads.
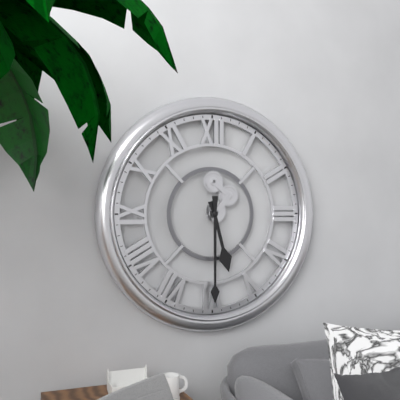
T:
5:30
